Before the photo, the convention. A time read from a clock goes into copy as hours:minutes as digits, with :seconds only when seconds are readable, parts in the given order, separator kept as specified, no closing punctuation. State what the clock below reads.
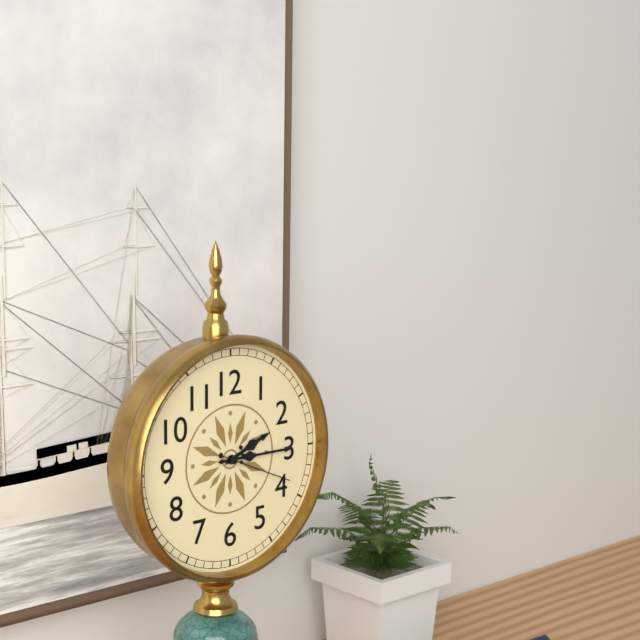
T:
2:15:19
